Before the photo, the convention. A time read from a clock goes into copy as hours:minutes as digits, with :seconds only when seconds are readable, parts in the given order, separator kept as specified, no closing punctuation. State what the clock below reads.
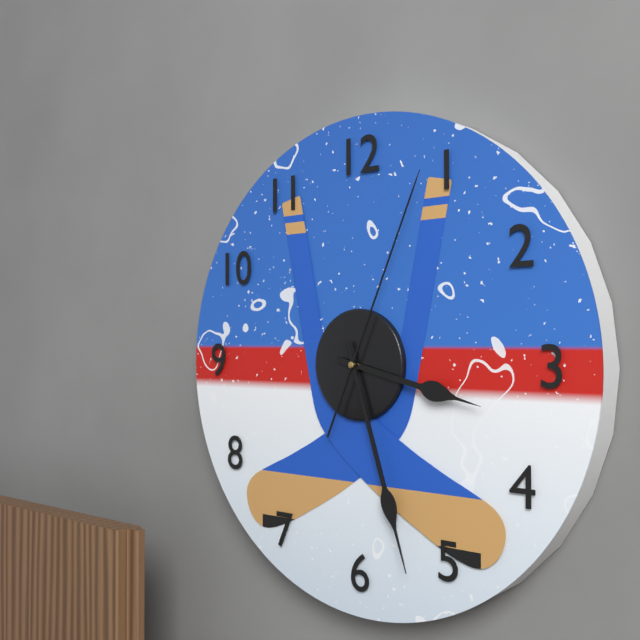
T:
3:27:04
